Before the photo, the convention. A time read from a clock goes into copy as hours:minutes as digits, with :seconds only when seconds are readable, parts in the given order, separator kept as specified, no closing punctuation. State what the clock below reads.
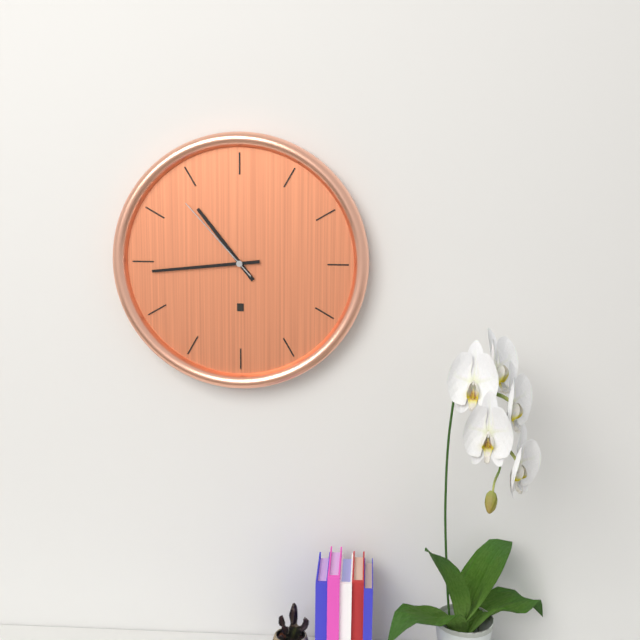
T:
10:44:53
